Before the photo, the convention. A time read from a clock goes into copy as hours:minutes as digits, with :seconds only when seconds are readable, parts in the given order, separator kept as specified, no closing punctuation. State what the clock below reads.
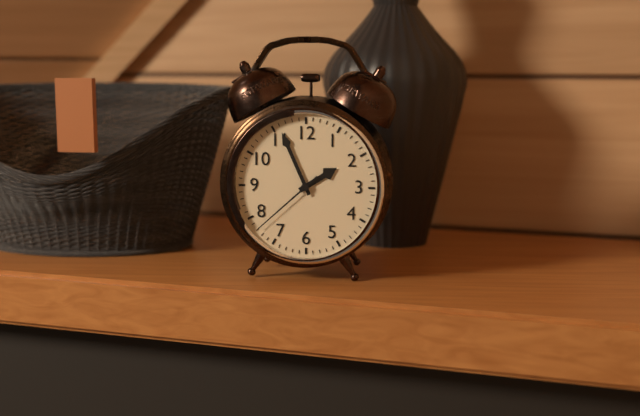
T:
1:56:38
